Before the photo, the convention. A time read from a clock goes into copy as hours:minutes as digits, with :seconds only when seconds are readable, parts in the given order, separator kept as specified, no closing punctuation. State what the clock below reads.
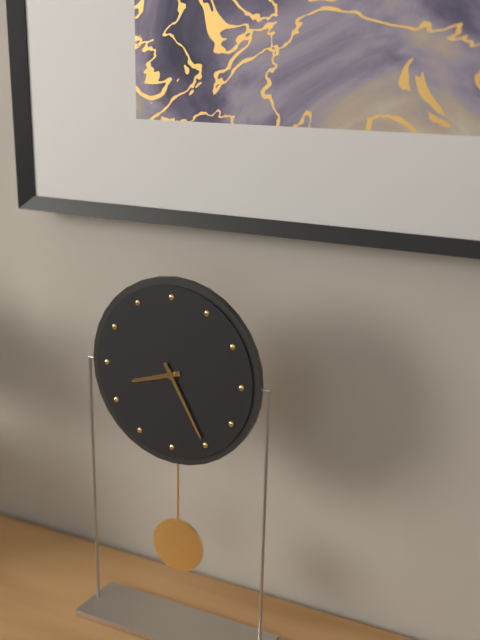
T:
8:25
